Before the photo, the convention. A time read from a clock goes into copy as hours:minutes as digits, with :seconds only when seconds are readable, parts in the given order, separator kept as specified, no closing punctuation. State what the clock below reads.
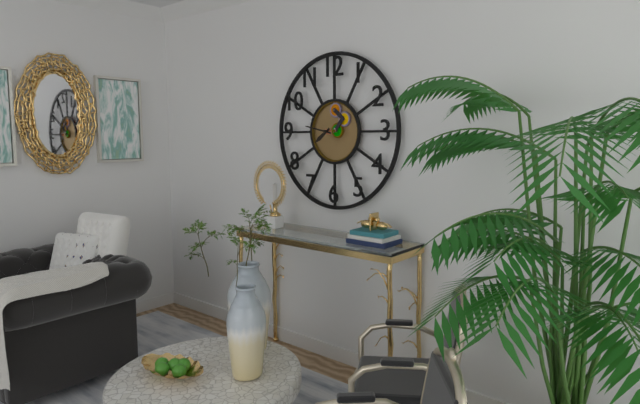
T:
7:47
